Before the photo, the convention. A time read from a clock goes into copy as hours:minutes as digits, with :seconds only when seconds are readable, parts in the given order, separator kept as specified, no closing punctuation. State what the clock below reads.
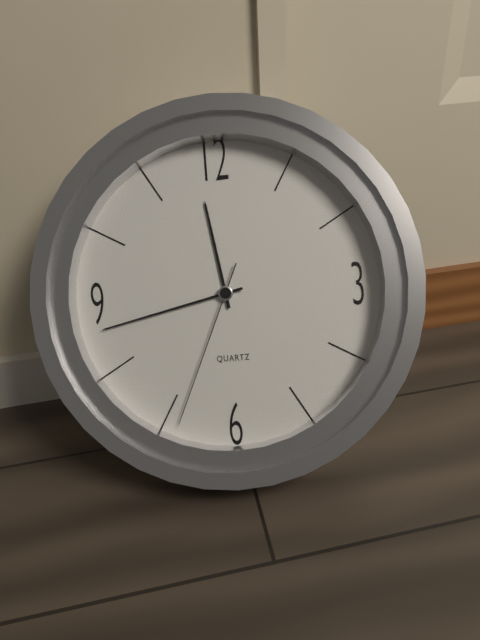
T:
11:43:34
